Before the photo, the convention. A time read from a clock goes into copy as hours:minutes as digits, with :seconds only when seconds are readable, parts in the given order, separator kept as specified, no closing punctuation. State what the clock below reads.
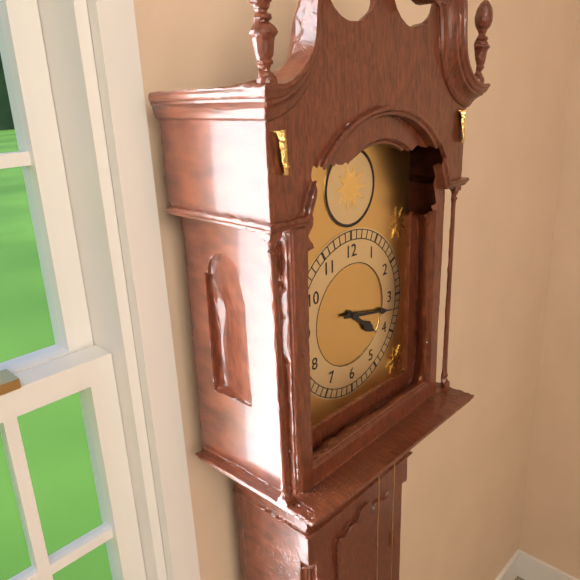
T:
4:17
